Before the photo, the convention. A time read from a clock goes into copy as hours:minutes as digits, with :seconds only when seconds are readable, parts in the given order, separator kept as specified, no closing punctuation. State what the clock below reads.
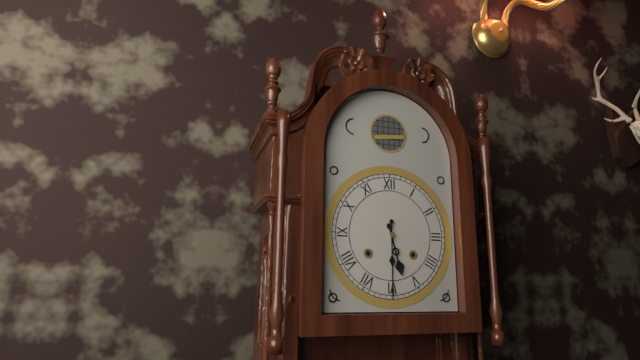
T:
5:30
